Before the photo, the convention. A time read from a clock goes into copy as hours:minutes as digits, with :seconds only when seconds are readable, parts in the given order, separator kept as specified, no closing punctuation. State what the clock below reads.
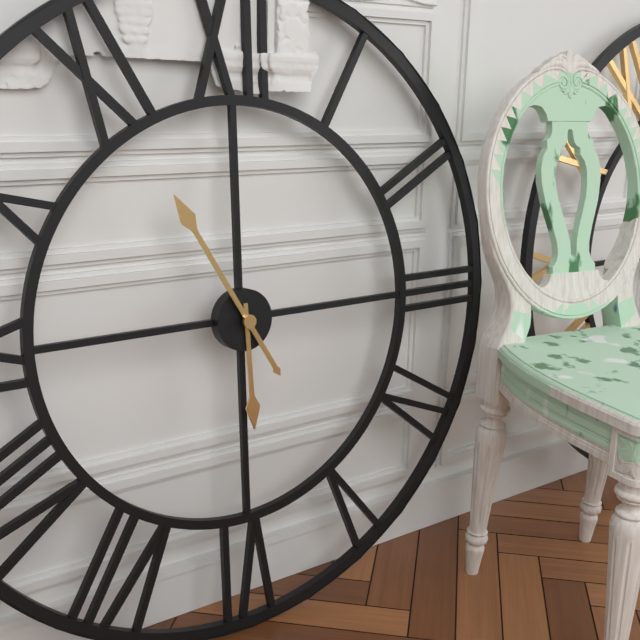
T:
5:55
